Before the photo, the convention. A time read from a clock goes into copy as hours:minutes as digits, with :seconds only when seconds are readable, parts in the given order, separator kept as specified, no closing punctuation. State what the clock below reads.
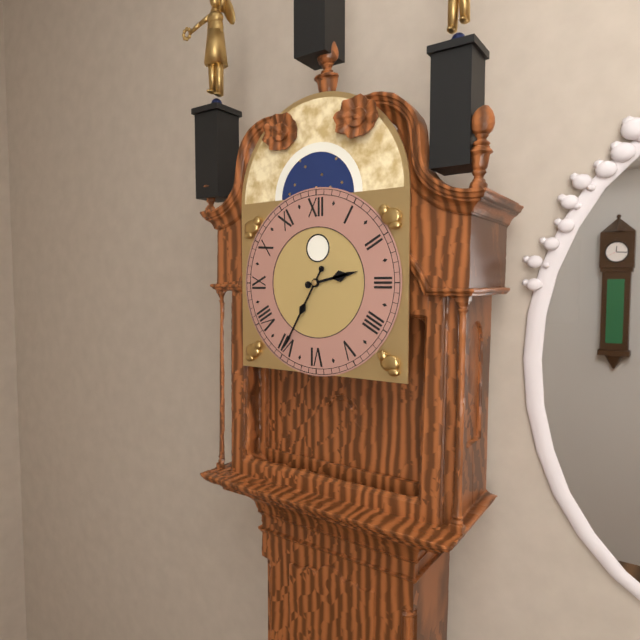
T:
2:35
